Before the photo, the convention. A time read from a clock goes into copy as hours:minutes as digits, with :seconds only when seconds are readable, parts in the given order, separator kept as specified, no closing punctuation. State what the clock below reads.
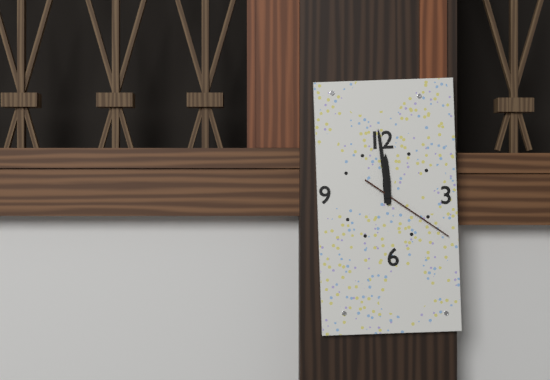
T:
11:59:21
